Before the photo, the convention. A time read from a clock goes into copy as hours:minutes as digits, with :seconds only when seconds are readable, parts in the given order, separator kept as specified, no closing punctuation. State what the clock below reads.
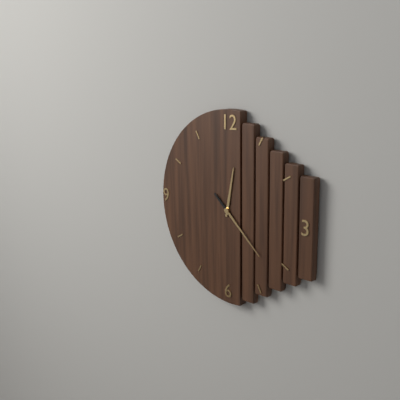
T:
12:22
